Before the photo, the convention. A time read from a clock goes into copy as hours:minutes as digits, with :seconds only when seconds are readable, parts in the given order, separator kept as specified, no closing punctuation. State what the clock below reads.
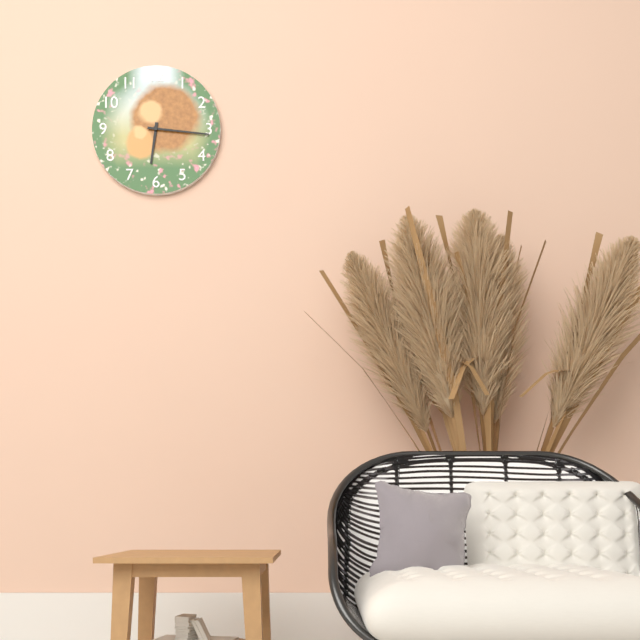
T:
6:16
